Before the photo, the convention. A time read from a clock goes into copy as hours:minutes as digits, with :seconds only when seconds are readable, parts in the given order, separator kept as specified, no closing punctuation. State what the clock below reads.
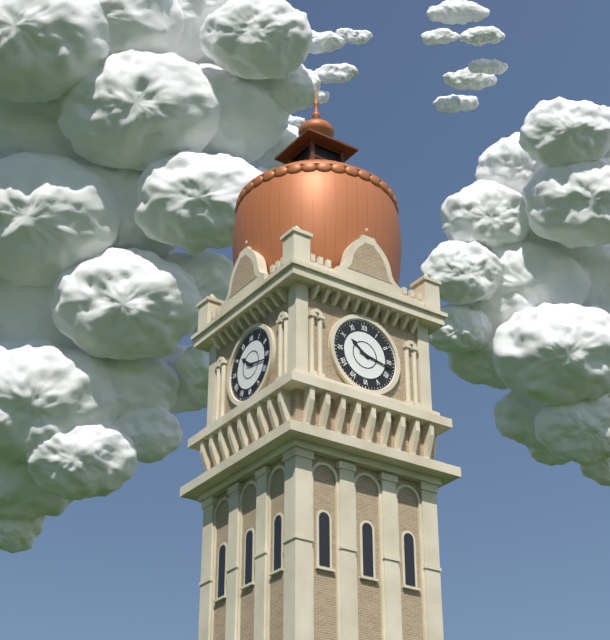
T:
10:17
